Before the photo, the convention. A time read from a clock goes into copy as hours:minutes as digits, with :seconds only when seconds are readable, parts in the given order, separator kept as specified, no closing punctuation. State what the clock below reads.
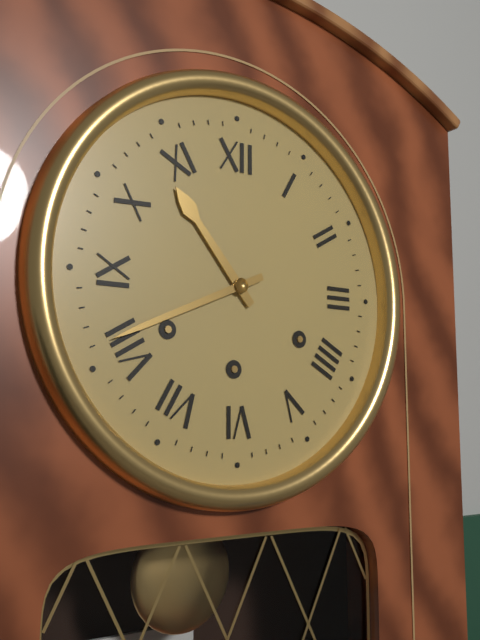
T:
10:41
